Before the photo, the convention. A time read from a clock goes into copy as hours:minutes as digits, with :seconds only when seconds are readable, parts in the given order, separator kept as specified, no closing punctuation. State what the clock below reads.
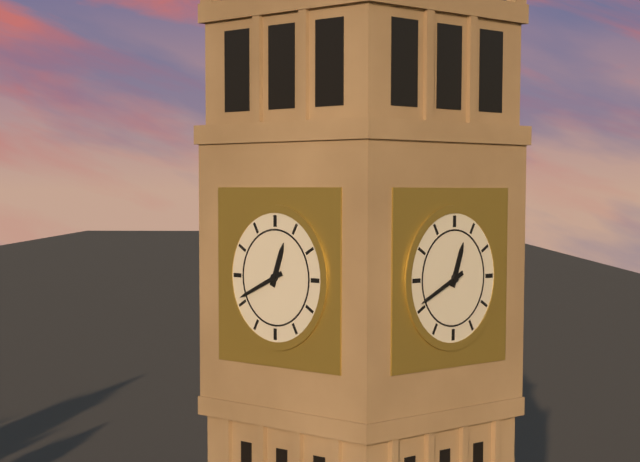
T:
12:41
